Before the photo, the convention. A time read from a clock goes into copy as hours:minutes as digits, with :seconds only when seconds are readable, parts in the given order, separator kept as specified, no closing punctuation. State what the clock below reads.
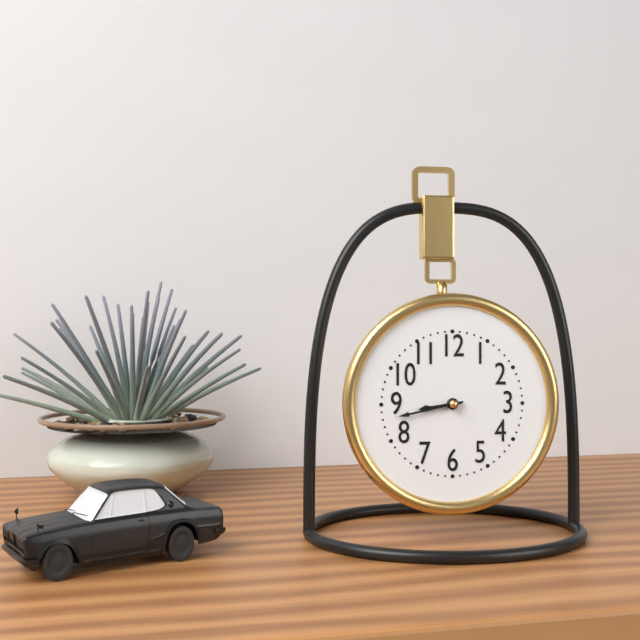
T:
8:43
